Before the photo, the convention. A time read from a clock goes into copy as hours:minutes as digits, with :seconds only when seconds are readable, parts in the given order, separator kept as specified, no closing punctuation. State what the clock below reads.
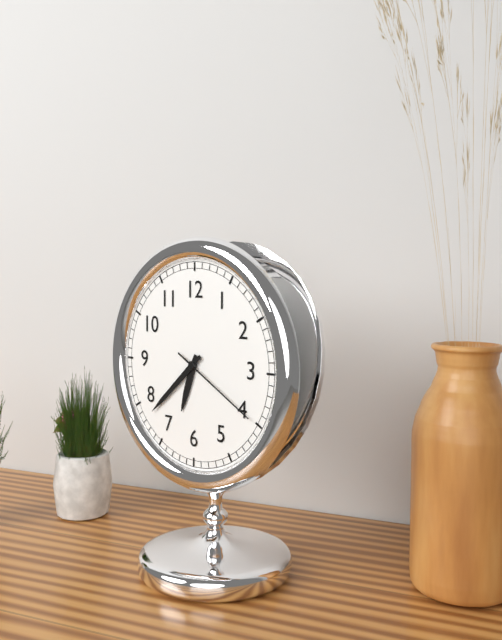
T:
6:38:20
